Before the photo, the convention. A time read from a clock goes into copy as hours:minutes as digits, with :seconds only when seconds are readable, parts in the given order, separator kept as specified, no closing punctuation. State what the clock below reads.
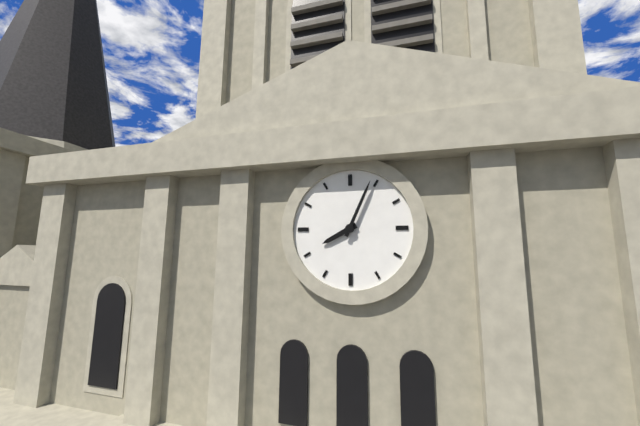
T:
8:04
